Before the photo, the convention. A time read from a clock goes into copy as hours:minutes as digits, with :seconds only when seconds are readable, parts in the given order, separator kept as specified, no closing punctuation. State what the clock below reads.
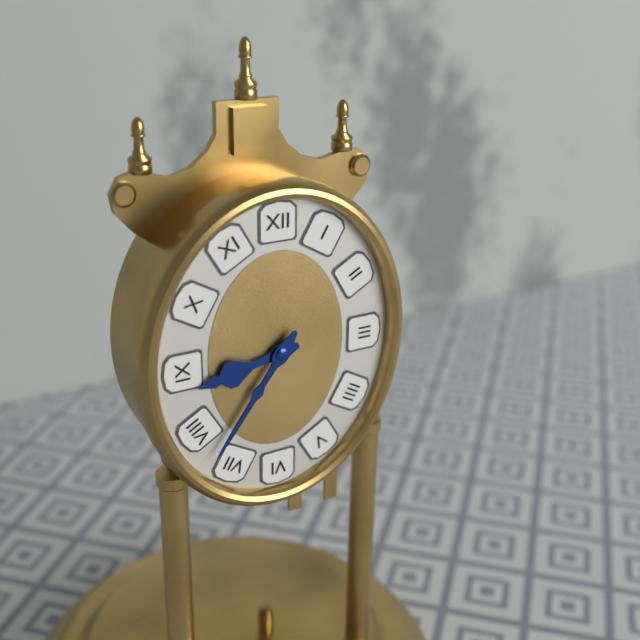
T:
8:36
